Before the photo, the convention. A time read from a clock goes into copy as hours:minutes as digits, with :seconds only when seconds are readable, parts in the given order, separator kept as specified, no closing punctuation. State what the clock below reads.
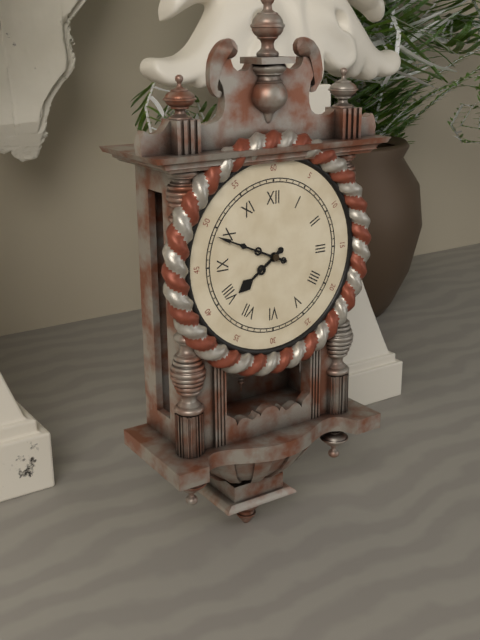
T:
7:49
